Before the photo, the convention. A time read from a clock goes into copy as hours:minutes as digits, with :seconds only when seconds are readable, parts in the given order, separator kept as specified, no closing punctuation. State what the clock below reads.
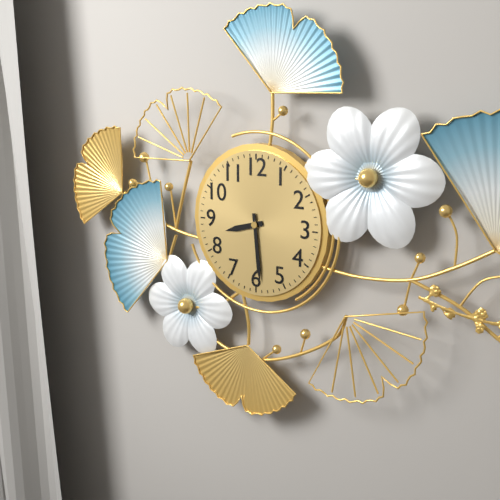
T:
8:29
